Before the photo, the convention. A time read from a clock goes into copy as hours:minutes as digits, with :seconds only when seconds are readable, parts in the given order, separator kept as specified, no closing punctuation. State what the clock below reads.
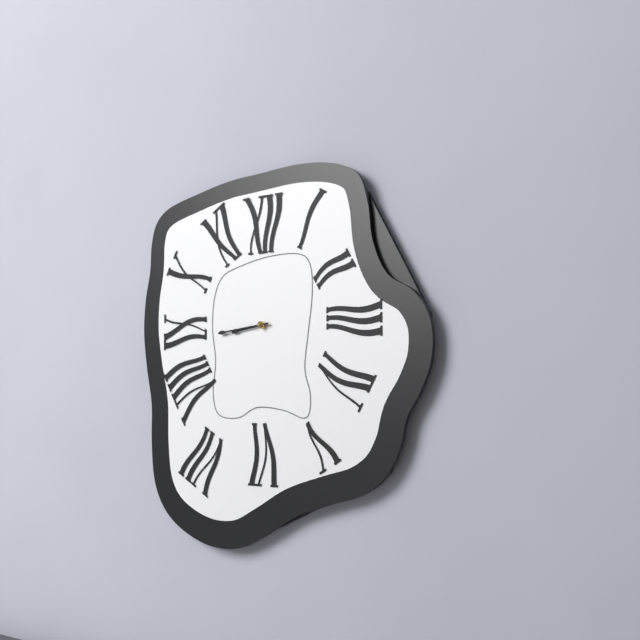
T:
8:44
